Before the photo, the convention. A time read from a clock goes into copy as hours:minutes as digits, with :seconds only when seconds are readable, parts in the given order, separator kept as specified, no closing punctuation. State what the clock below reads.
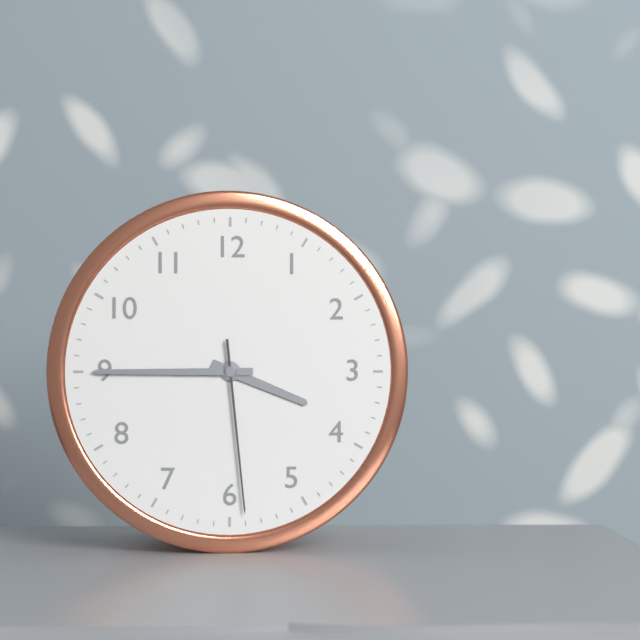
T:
3:45:29
